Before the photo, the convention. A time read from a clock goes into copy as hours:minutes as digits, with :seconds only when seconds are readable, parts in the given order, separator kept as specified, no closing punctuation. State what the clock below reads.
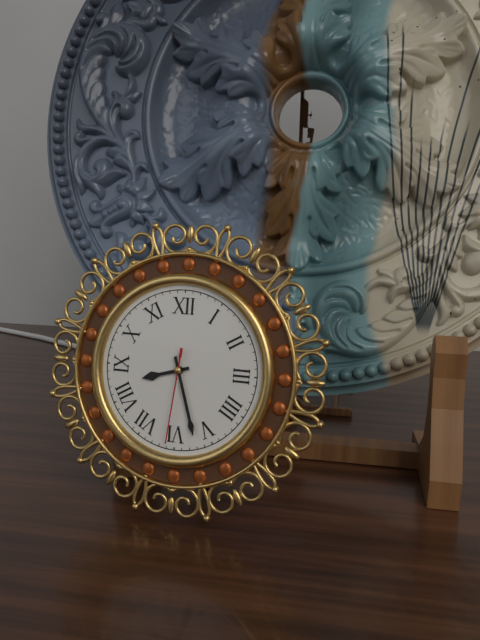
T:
8:27:31
